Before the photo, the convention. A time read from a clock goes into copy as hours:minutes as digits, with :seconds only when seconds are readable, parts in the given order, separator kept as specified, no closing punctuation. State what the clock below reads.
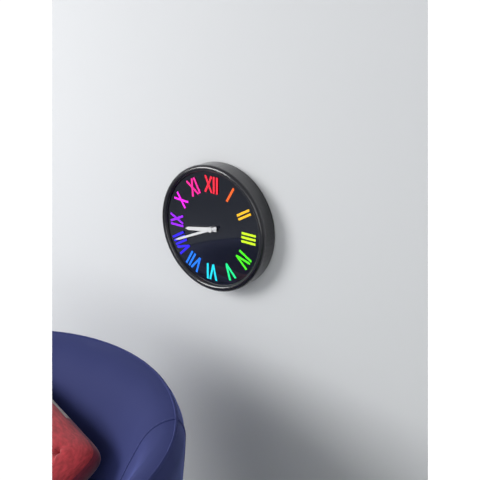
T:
8:41
